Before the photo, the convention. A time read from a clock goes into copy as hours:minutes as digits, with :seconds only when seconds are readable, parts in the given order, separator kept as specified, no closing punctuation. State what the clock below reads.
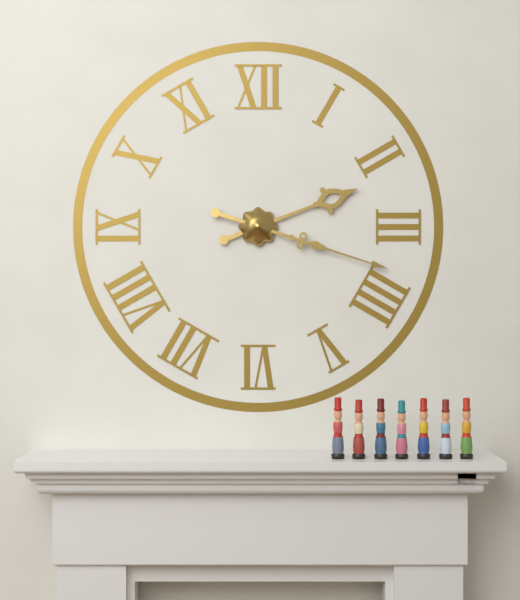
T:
2:18
